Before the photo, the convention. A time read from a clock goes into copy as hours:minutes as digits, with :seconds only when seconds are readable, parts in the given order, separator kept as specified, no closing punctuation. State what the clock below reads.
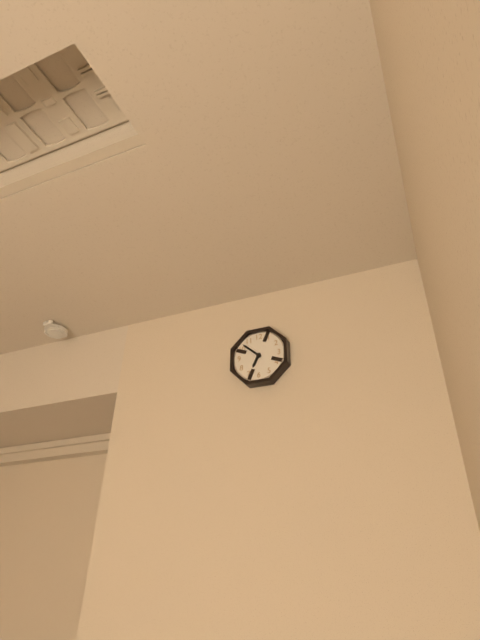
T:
6:52
